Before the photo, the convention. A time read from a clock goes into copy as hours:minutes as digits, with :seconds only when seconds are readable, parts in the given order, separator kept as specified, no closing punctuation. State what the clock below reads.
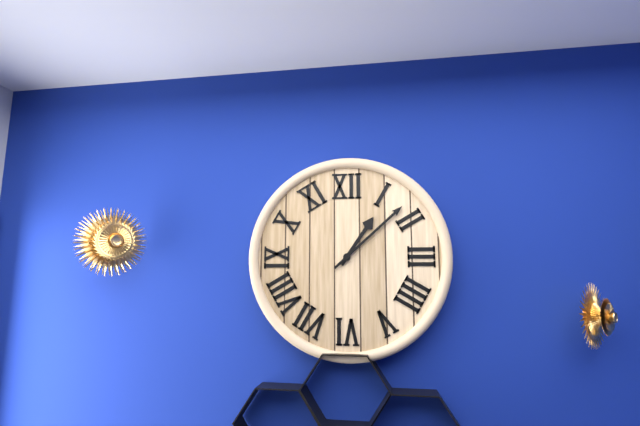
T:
1:08
